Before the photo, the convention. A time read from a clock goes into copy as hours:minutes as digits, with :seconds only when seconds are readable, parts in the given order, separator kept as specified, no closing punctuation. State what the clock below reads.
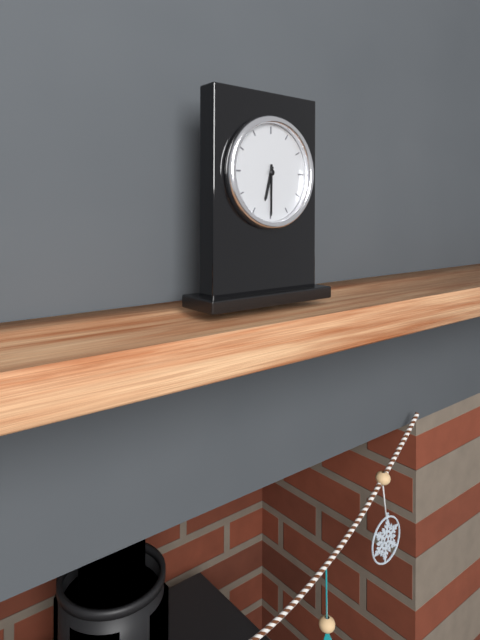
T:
6:30
